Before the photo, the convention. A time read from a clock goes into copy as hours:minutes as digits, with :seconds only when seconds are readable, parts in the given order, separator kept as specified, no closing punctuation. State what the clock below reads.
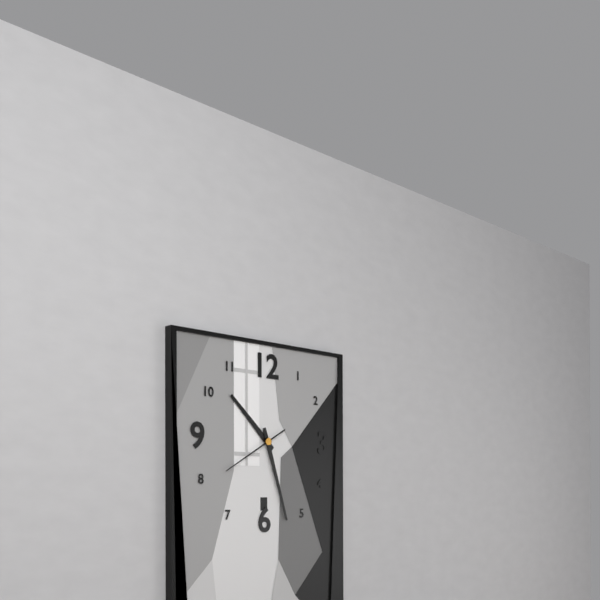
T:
10:27:40
